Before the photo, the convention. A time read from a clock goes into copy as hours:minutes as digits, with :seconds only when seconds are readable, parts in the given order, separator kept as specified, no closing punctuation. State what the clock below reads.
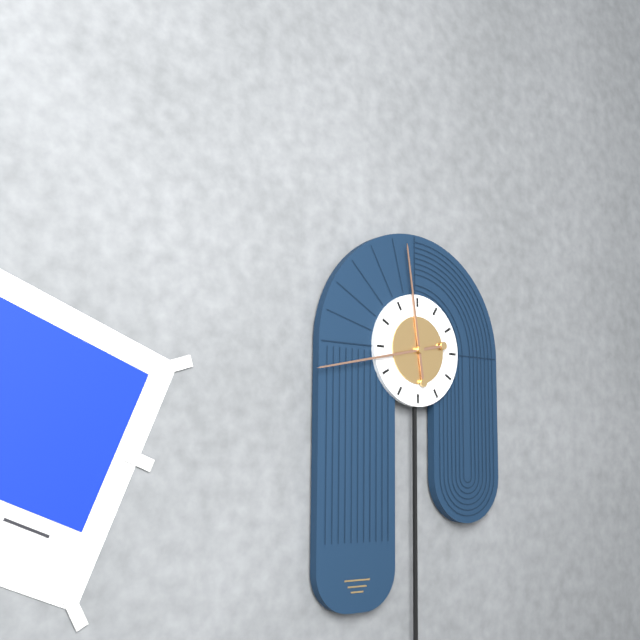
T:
11:43
